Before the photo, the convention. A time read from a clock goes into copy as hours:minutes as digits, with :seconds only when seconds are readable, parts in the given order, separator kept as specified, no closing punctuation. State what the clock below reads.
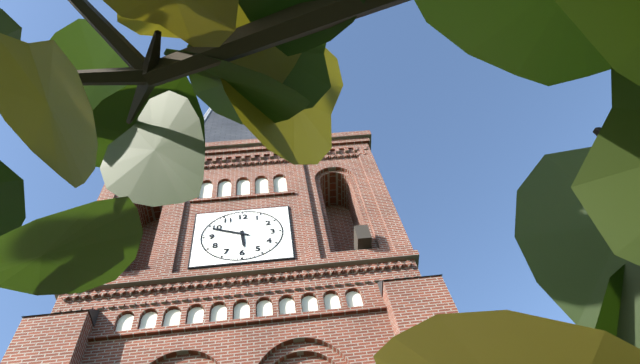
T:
5:49
